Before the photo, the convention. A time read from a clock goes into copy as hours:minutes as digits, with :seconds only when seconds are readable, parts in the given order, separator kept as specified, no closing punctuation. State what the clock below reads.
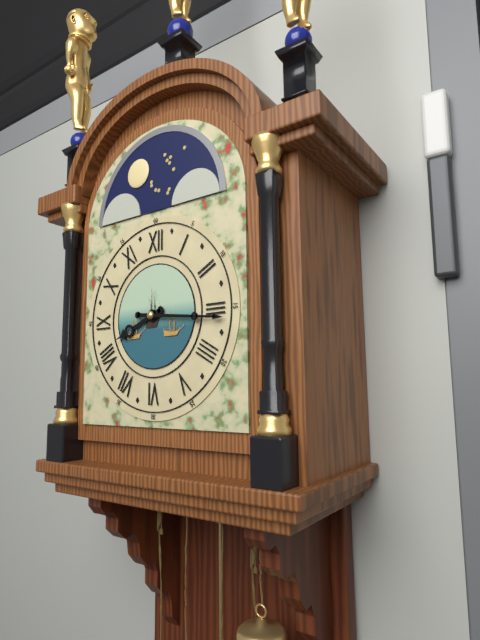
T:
8:16
